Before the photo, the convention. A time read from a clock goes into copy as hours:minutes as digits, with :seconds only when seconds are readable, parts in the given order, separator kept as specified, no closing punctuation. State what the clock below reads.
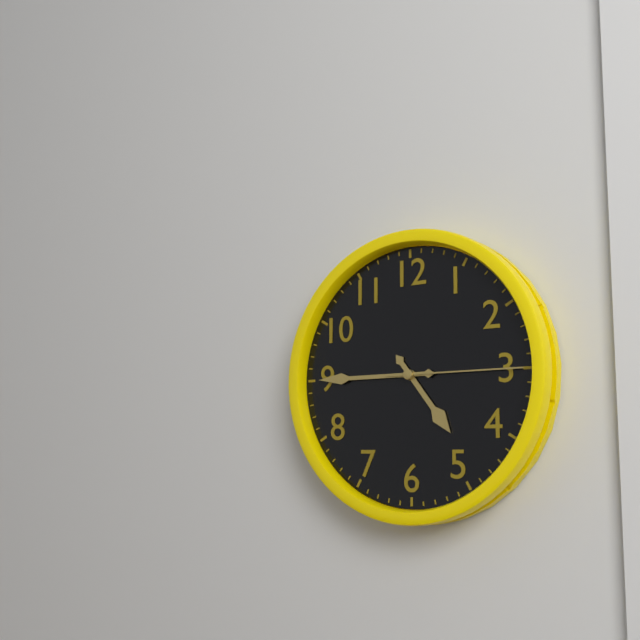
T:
4:45:15
